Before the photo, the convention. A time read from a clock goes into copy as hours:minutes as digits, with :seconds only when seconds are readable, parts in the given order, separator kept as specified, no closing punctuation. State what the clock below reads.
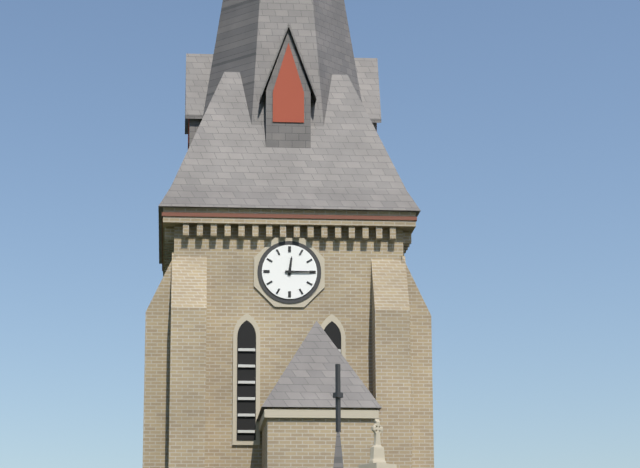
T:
12:15
